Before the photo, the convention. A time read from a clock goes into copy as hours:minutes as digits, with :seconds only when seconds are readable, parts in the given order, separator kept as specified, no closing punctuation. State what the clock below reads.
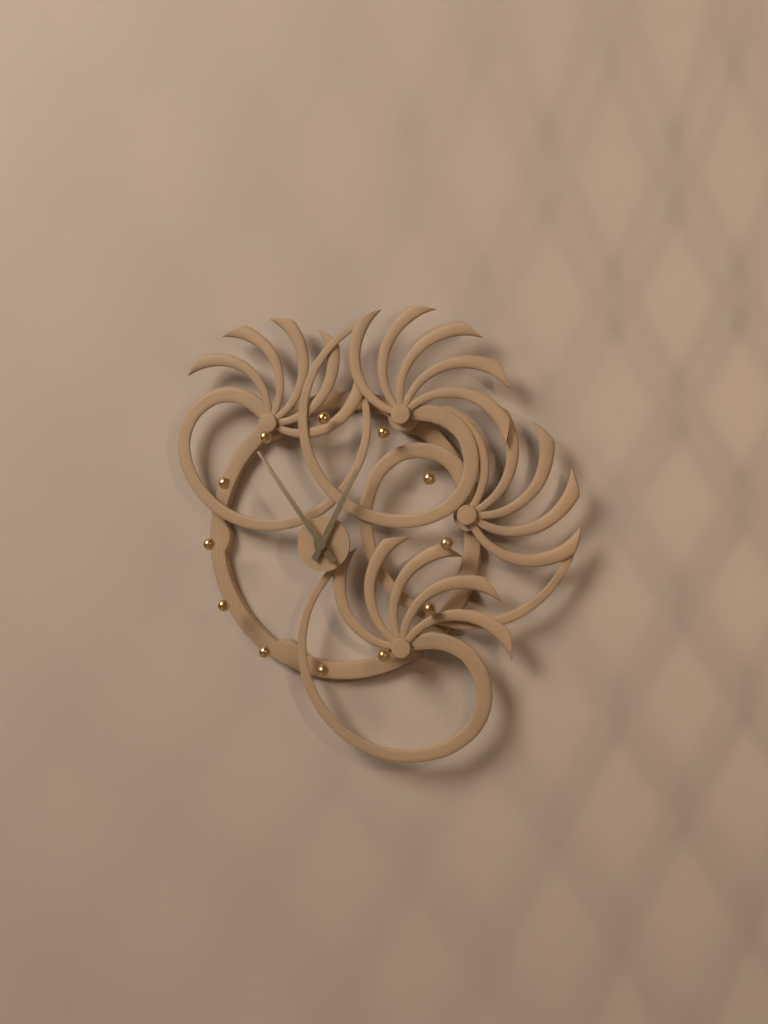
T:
12:54
